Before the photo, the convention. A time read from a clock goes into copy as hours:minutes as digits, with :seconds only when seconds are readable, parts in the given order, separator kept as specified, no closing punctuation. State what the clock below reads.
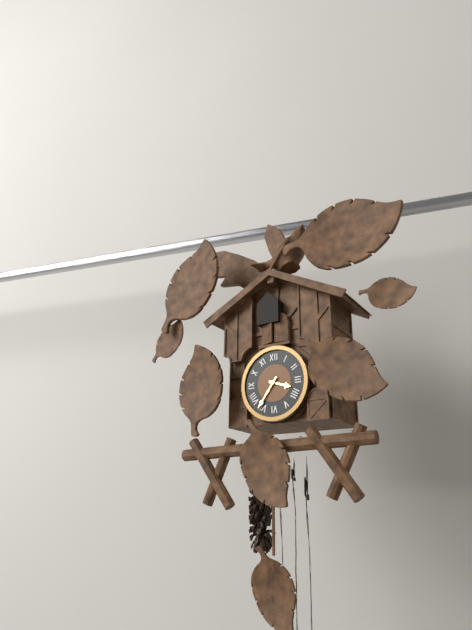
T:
3:36
